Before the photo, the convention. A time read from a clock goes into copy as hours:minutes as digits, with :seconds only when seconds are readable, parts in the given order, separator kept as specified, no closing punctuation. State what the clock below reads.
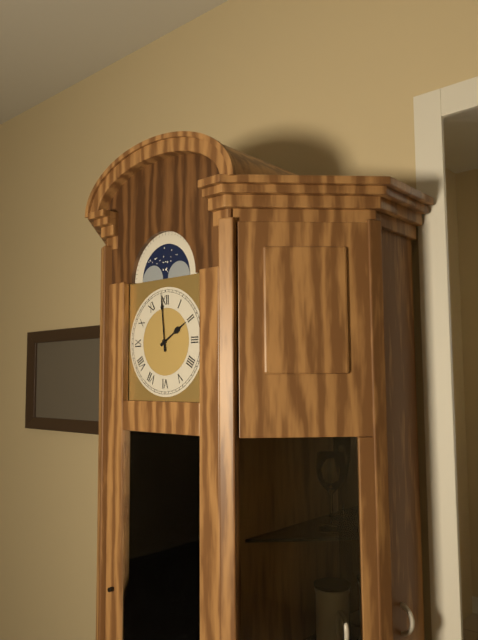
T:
1:59
